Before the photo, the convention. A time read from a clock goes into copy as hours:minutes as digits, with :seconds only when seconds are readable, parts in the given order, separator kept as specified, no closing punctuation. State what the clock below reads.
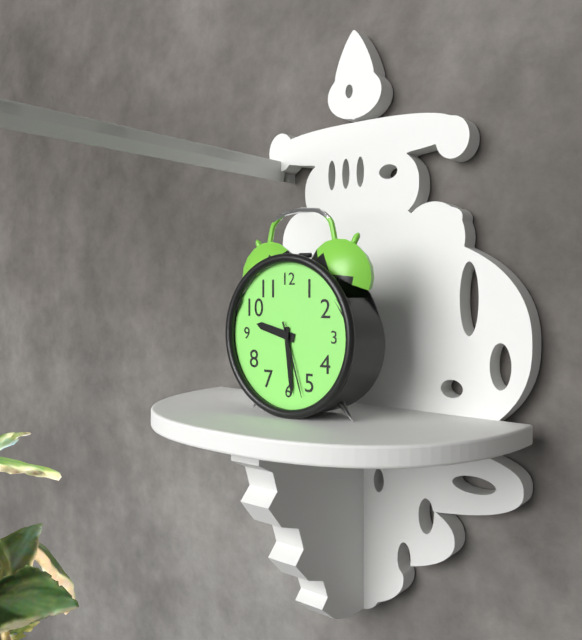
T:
9:29:27
